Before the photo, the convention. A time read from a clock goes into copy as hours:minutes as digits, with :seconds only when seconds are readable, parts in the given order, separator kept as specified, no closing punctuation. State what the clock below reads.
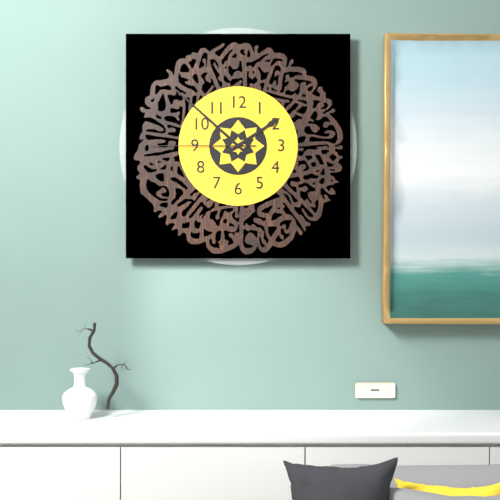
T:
1:52:45
